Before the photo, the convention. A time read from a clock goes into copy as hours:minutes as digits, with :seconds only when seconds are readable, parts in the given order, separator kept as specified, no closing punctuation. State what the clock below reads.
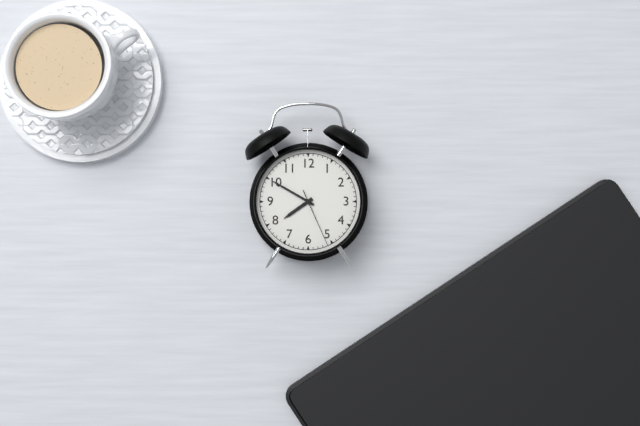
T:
7:50:26
